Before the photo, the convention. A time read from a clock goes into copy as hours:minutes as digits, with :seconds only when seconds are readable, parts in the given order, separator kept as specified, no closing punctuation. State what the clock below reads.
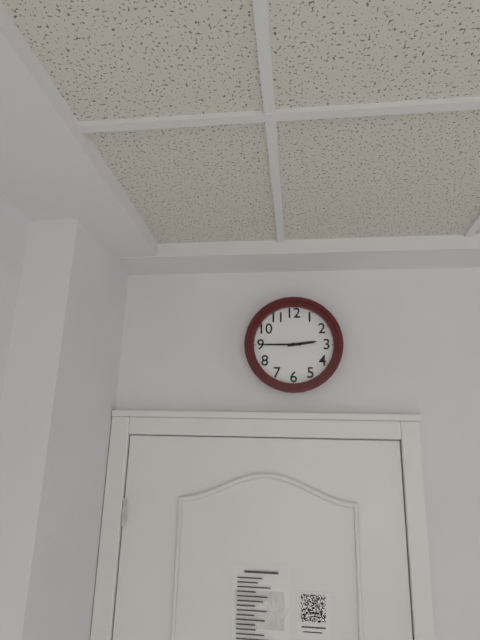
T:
2:45
